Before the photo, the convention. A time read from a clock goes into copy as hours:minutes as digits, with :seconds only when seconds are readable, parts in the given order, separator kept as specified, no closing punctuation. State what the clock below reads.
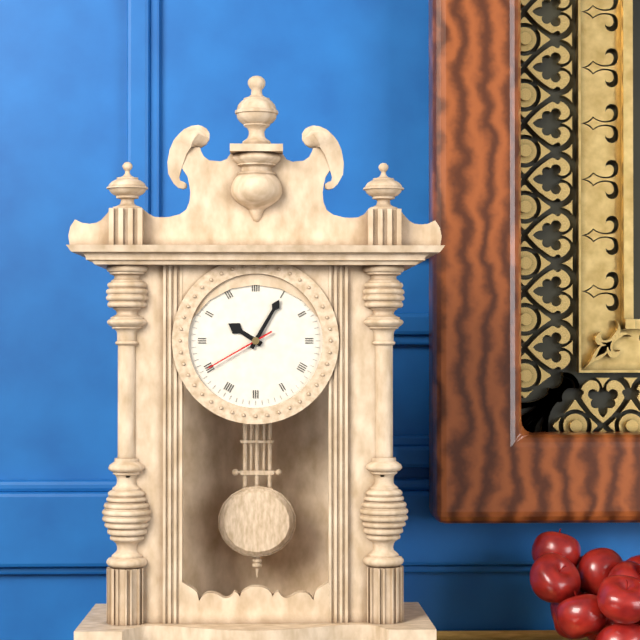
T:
10:05:40
